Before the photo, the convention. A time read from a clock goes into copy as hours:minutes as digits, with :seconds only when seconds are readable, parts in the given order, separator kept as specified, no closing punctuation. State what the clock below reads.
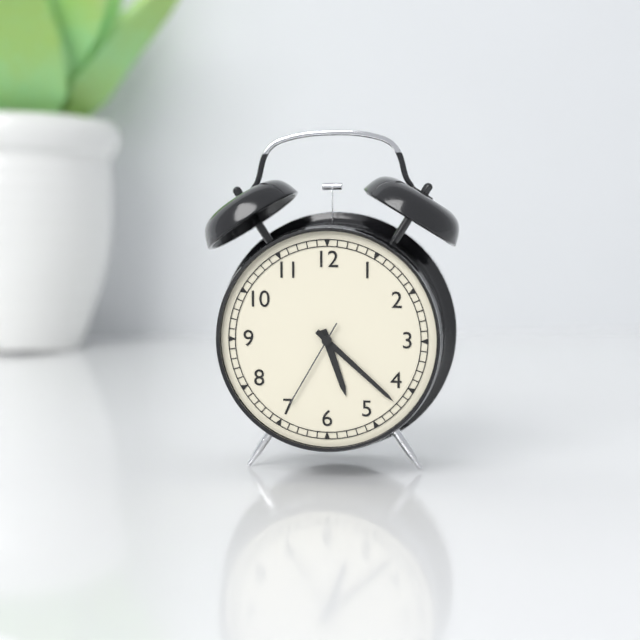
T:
5:22:35
